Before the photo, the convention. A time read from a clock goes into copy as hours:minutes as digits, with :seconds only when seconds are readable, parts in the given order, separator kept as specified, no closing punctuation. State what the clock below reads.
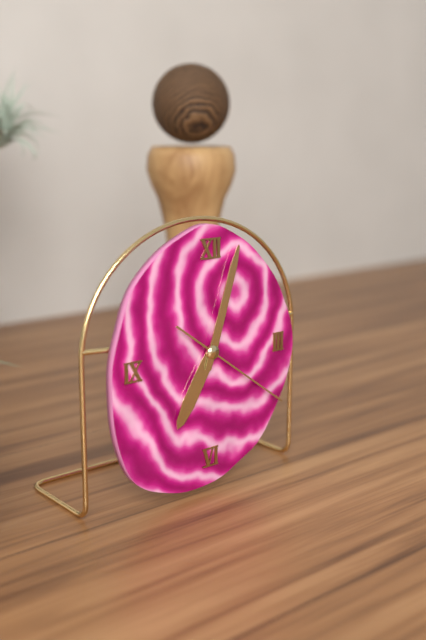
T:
7:03:21
